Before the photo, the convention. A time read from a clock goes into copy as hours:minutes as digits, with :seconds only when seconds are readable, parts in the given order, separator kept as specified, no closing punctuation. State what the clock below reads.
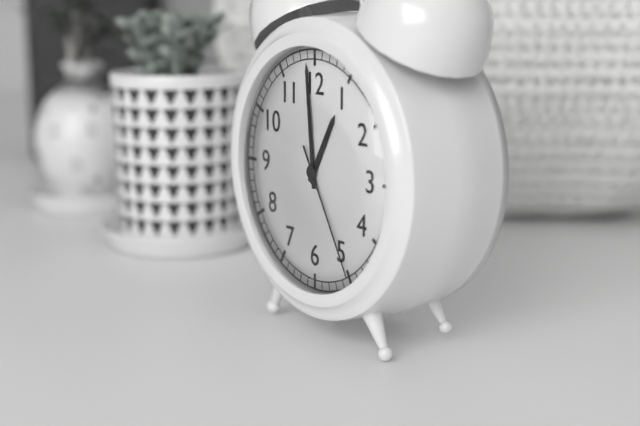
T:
12:59:25
